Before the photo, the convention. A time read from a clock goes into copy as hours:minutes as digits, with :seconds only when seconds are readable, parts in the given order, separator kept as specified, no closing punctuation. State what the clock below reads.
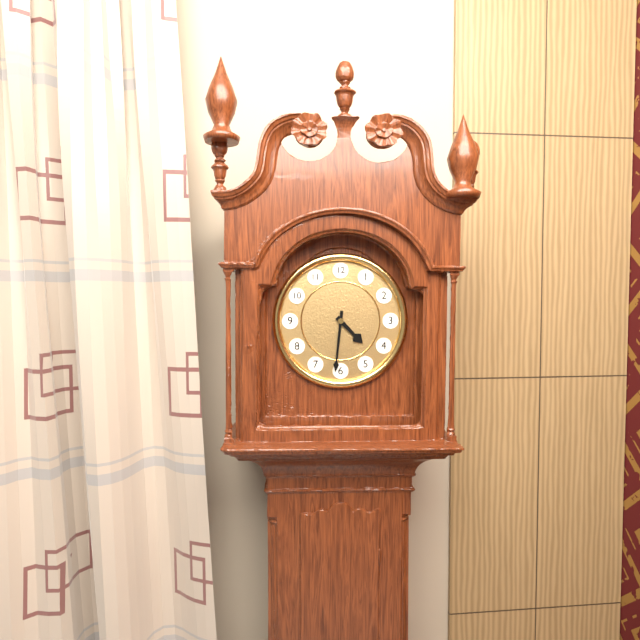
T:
4:31
